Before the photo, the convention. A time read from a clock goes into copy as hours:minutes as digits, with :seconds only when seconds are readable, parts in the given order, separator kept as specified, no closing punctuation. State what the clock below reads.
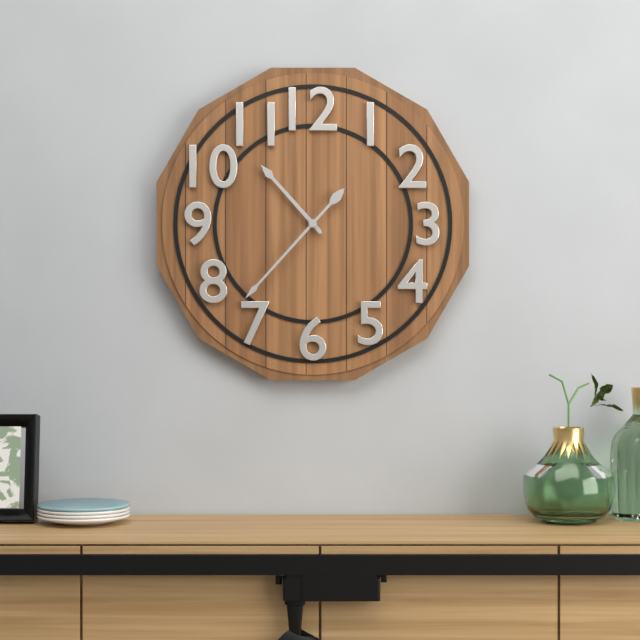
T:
10:37
